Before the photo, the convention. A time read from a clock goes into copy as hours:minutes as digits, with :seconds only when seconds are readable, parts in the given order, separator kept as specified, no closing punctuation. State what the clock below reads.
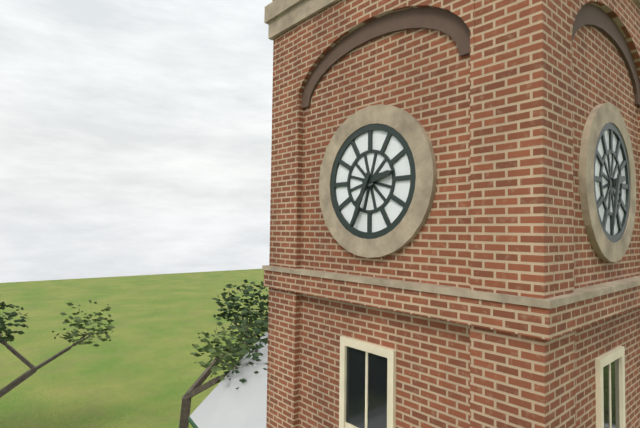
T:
2:34
